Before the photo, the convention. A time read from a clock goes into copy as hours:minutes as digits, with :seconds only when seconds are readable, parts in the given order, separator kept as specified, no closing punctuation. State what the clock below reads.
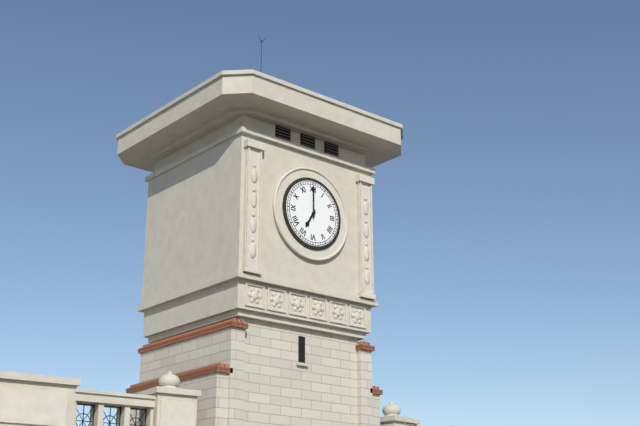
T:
7:00
